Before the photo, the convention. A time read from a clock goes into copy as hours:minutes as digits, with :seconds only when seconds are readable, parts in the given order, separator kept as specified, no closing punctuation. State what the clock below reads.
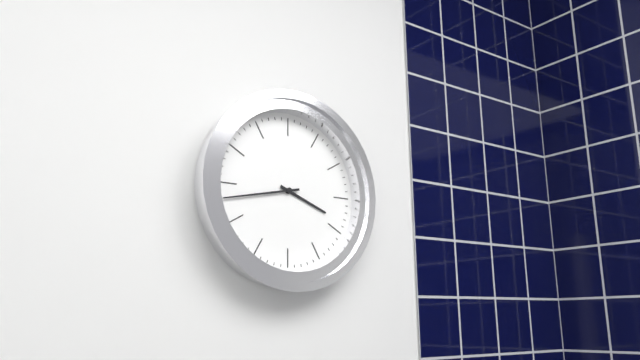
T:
3:43
